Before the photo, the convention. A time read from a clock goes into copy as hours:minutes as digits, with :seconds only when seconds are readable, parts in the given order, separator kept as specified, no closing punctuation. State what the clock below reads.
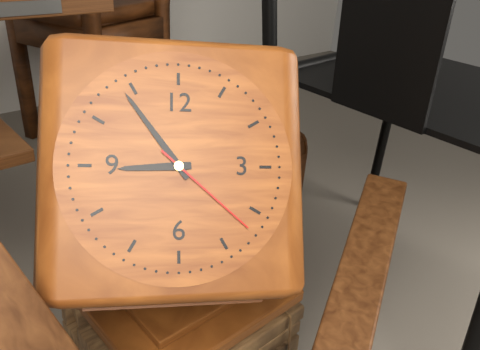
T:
8:54:22
